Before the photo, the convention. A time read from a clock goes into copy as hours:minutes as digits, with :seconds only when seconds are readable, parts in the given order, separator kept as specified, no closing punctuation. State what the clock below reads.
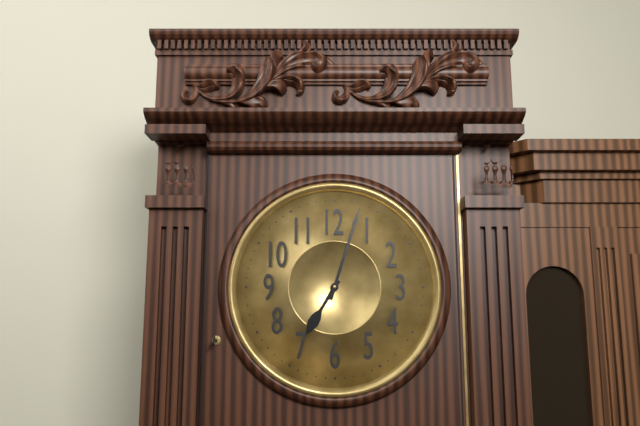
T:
7:03
